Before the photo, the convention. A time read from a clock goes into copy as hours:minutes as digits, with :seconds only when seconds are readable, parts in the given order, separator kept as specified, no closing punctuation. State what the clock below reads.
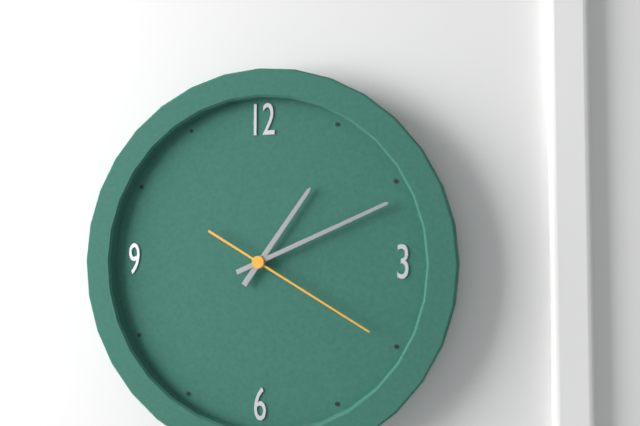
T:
1:11:20
